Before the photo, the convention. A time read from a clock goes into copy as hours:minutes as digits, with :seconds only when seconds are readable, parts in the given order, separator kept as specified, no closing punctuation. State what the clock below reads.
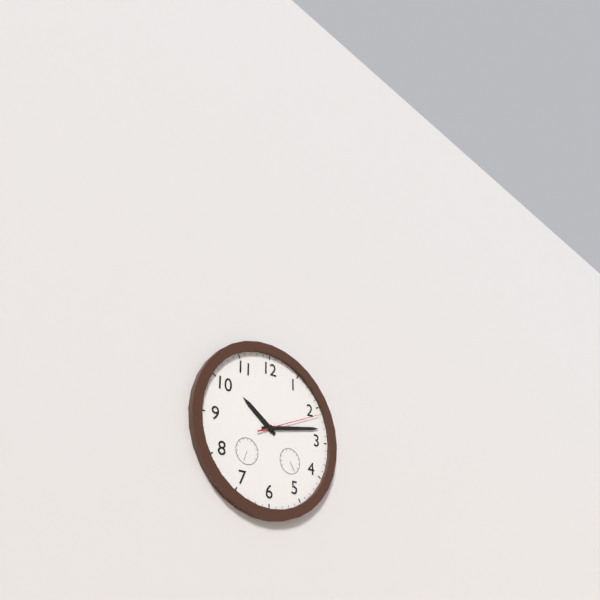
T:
10:13:11
